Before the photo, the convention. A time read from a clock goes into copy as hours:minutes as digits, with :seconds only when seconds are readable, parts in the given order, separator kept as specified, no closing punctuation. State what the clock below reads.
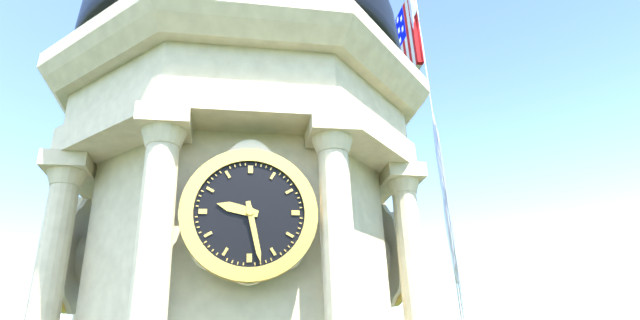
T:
9:28
